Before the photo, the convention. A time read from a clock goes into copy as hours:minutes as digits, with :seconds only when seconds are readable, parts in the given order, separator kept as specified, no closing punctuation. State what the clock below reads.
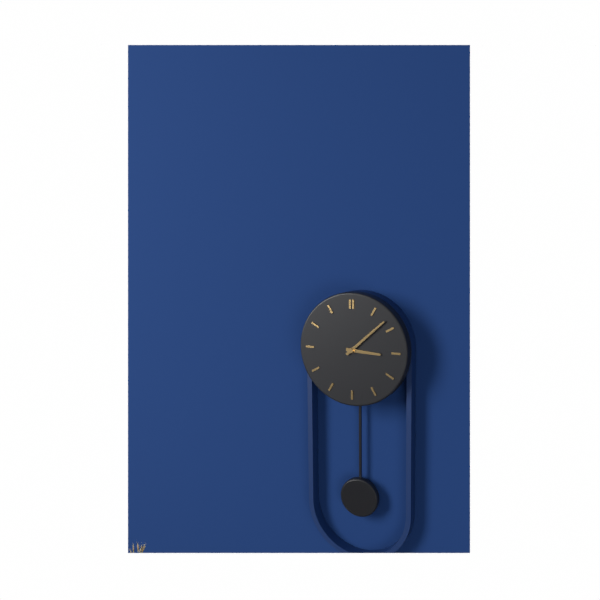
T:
3:08
